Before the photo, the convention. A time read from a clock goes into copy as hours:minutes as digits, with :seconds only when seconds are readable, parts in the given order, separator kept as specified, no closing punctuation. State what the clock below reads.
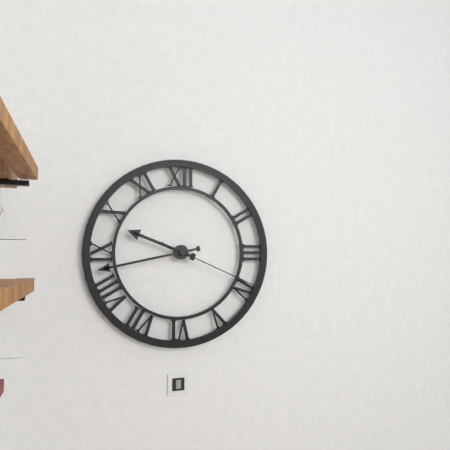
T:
9:43:19
